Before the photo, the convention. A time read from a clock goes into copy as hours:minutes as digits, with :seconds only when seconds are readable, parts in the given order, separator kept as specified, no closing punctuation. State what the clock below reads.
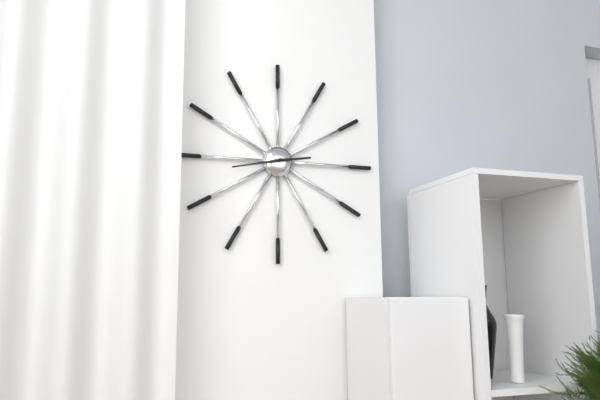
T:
2:43
